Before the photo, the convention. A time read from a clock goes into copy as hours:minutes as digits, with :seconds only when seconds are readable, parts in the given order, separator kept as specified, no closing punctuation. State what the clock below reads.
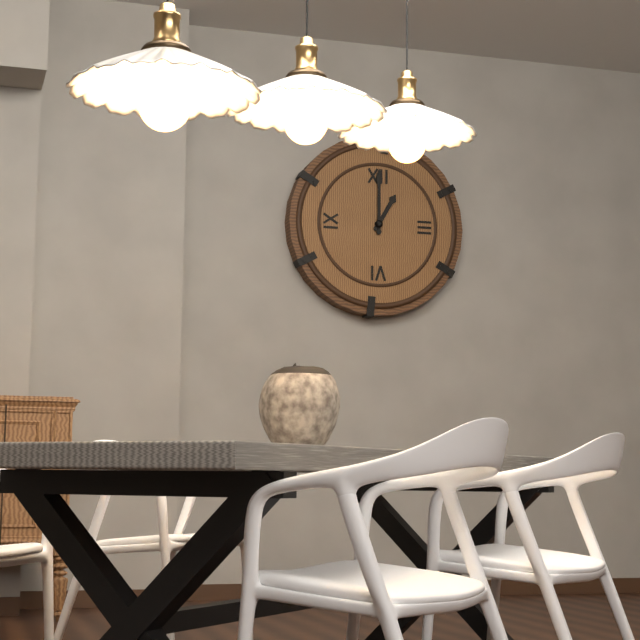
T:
1:00
